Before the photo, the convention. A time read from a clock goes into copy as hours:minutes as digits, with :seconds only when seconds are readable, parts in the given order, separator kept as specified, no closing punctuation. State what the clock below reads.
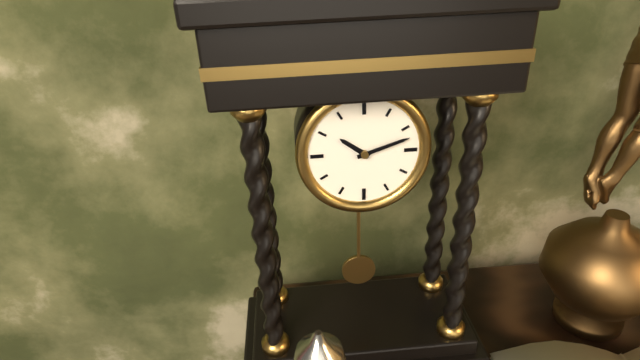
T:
10:12
